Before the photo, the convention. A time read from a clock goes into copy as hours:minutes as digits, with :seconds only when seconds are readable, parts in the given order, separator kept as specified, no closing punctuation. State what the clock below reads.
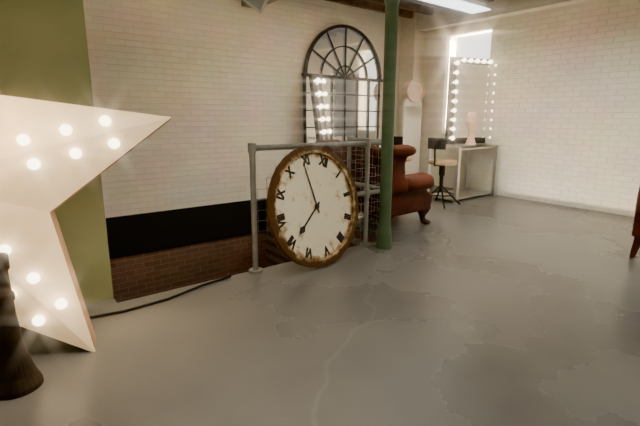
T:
6:54
